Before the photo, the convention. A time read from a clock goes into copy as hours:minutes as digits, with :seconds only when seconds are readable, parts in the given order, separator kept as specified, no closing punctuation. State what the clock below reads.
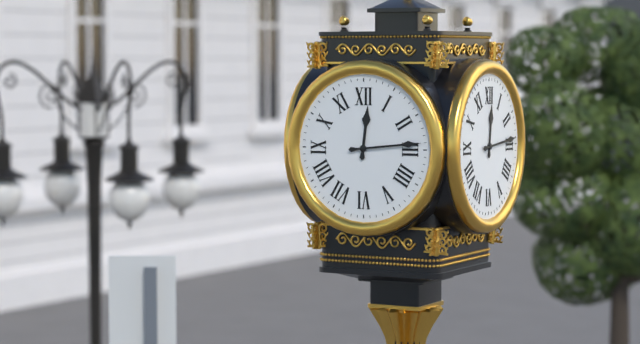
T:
12:14
